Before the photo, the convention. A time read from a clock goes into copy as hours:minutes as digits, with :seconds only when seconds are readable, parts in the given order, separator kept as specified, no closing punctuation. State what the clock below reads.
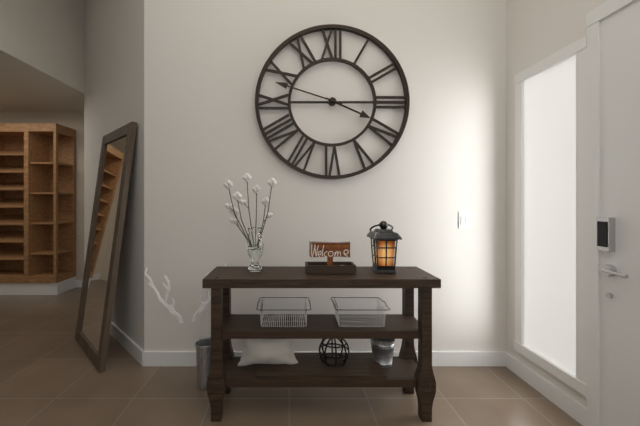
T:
3:48
